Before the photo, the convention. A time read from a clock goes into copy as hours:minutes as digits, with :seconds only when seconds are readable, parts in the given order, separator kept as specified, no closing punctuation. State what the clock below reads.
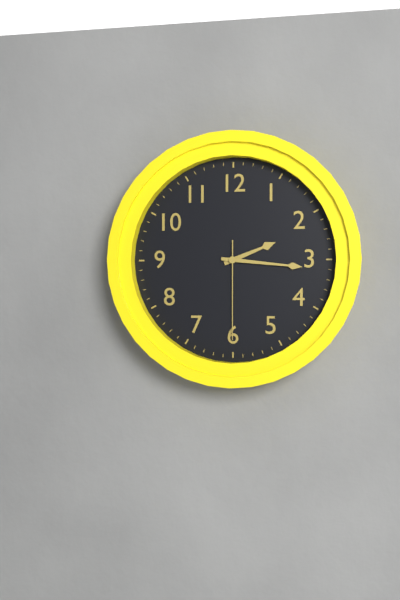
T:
2:16:30
